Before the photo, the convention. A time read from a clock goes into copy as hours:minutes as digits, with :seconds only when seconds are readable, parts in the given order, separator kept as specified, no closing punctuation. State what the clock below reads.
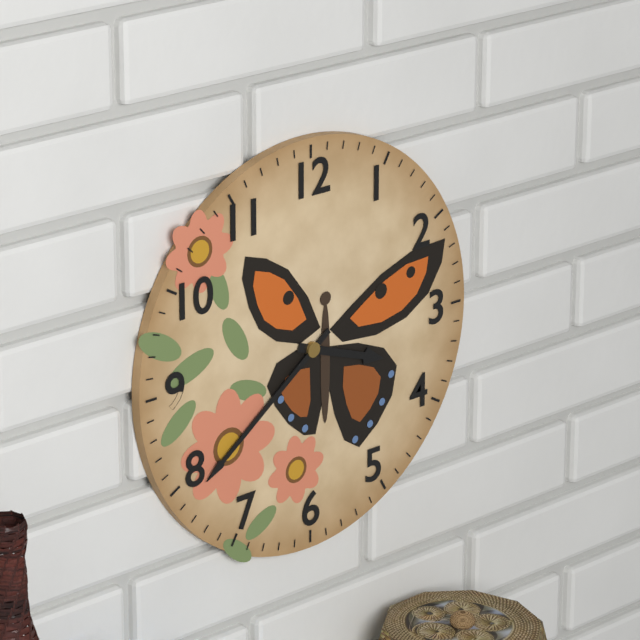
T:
3:39
